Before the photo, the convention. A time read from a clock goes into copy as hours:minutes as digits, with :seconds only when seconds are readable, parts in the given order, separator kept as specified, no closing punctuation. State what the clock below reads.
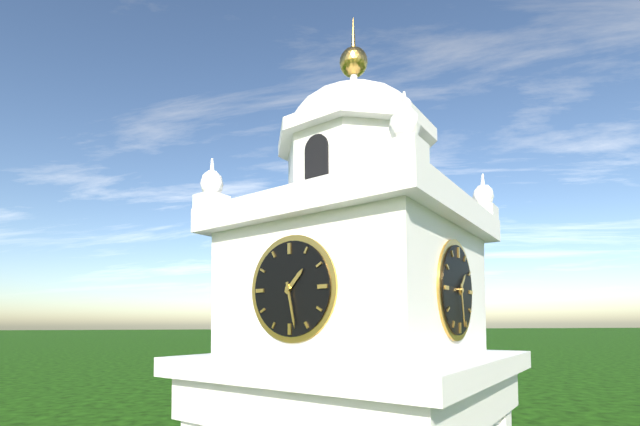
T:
1:28
